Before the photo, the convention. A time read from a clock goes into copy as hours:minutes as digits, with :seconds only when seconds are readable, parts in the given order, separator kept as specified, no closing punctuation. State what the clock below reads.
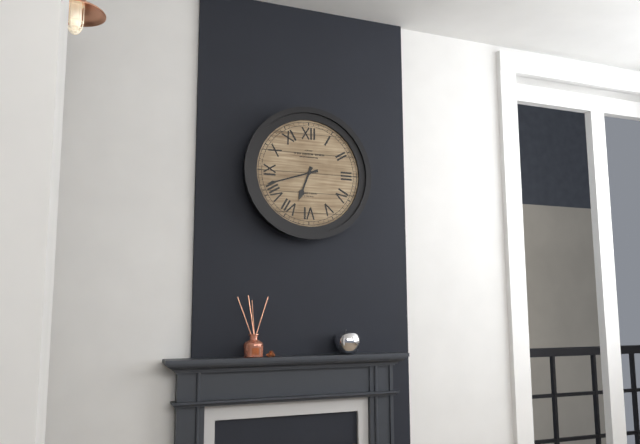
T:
6:42
